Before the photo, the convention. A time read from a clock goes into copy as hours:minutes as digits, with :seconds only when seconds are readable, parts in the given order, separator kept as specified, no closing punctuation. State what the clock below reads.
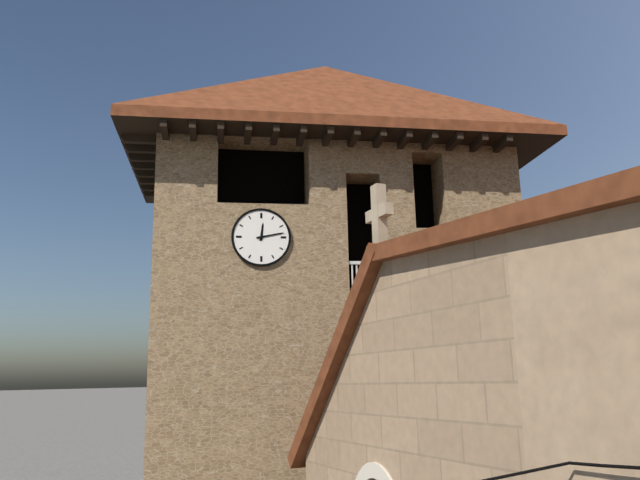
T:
12:13
